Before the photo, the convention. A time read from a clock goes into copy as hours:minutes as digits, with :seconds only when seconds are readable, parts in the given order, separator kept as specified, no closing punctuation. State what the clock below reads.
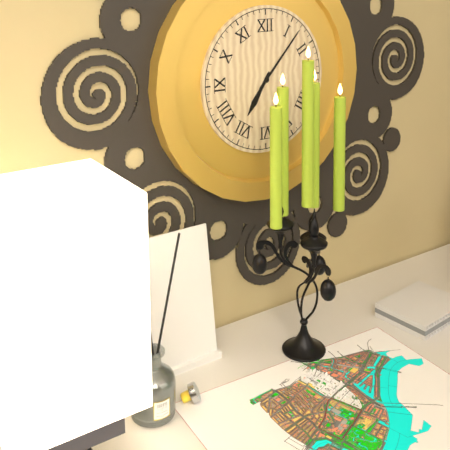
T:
7:07
